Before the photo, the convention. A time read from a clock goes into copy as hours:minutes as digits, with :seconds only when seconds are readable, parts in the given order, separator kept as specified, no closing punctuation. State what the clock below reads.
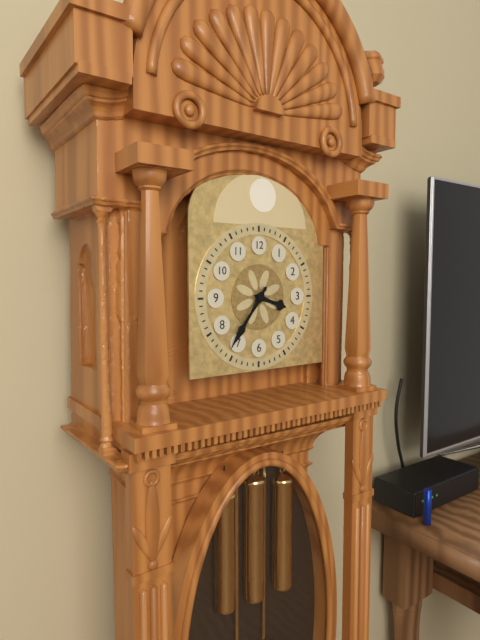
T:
3:36
